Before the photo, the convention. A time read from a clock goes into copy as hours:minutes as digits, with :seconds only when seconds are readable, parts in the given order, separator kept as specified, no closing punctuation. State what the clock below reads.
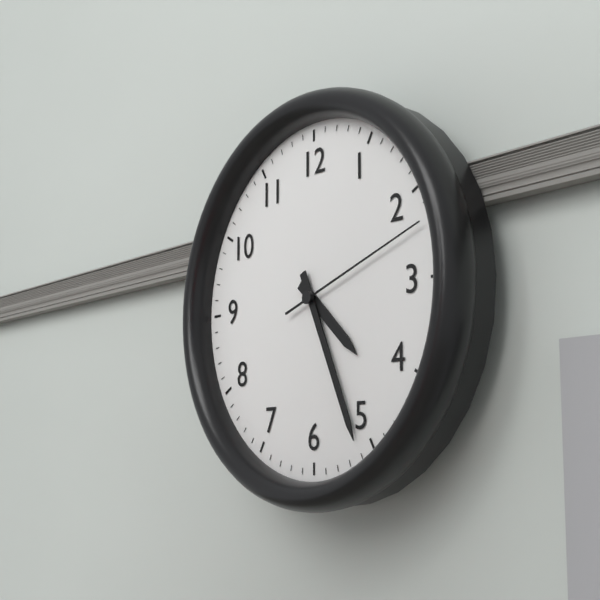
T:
4:26:12
